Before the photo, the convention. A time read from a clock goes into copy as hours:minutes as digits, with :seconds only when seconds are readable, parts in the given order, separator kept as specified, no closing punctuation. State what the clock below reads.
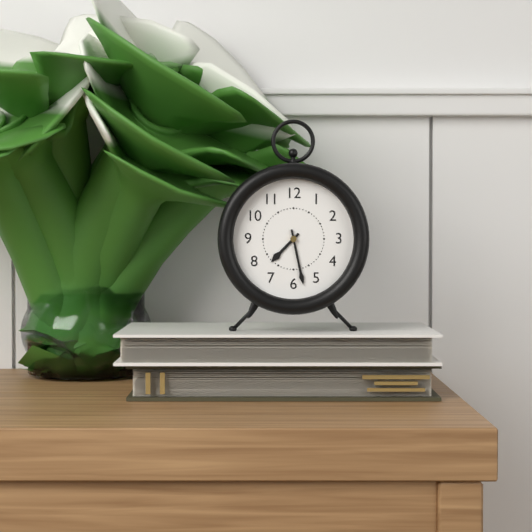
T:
7:28
